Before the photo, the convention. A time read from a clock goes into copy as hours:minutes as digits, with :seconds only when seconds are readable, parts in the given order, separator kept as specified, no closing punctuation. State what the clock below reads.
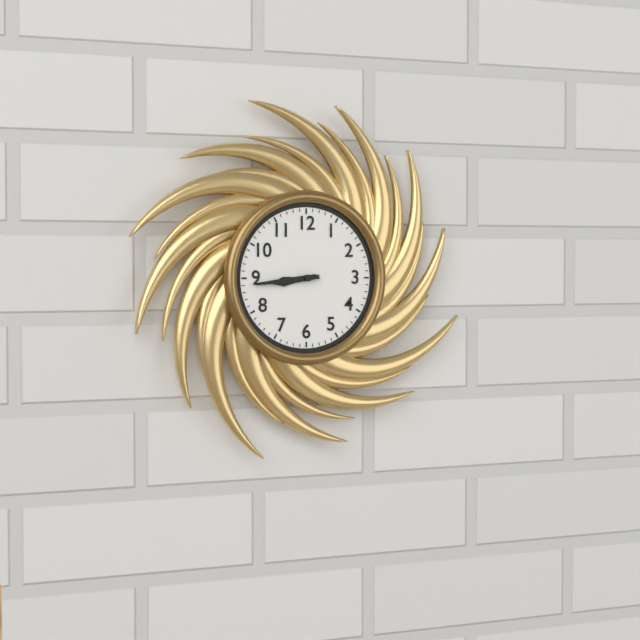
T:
8:44
